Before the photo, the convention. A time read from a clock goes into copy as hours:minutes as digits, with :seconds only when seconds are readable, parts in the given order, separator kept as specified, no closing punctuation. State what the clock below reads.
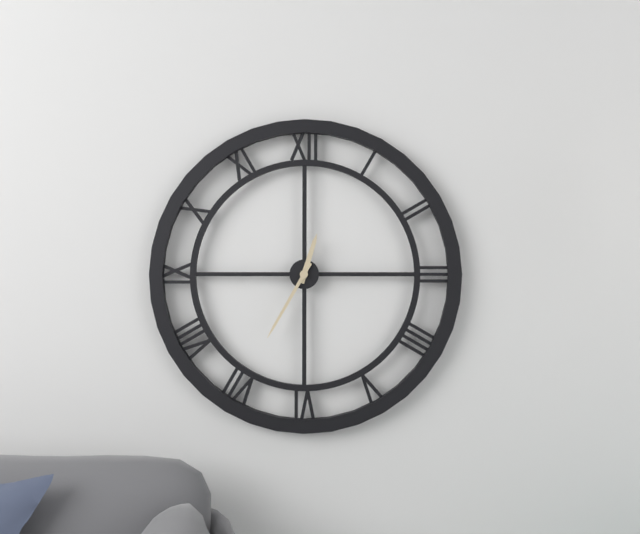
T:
12:35
